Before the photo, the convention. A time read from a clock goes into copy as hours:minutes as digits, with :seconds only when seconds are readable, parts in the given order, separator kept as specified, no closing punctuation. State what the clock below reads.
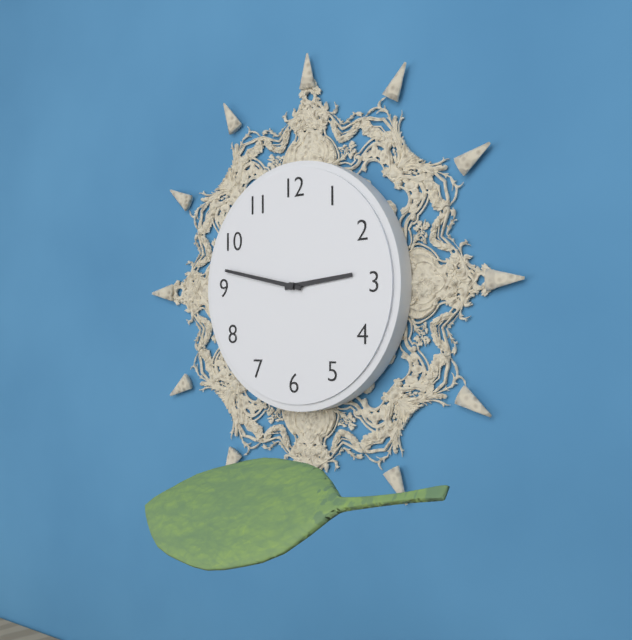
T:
2:47
